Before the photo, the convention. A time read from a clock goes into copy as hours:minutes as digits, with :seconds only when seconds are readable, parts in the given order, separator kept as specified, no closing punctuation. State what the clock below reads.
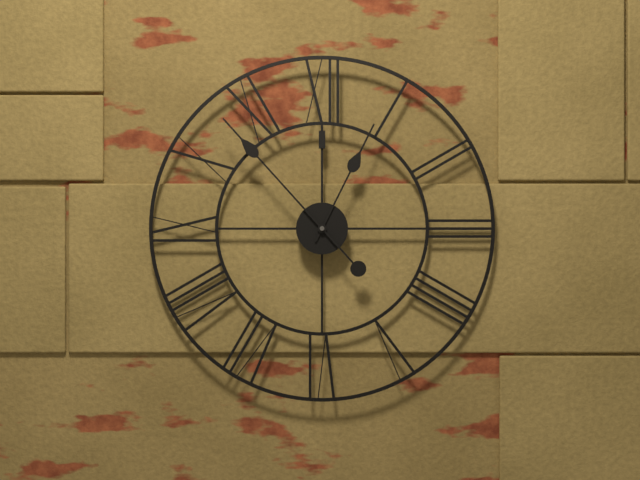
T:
12:53
